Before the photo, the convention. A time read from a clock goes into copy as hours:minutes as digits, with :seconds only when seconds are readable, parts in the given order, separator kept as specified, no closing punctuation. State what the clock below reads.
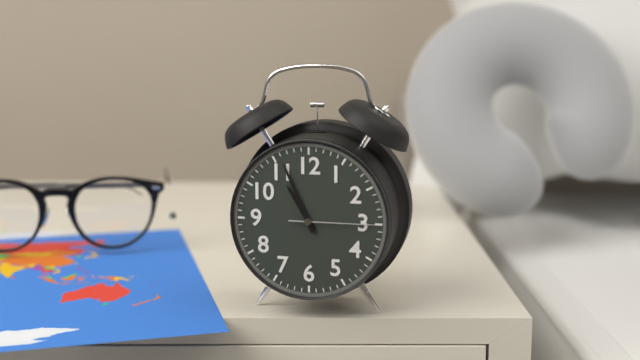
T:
10:56:15
